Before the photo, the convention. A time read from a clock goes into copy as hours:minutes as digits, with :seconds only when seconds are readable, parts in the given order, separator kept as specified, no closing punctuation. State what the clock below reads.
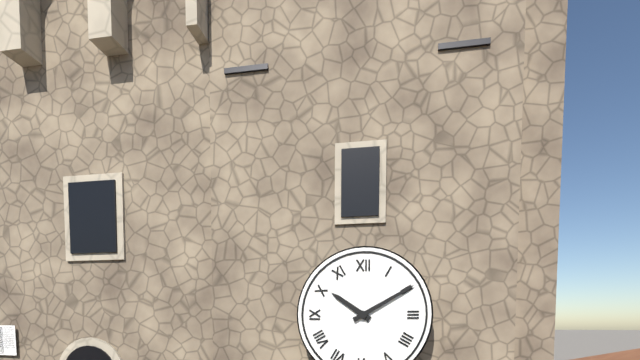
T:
10:10
